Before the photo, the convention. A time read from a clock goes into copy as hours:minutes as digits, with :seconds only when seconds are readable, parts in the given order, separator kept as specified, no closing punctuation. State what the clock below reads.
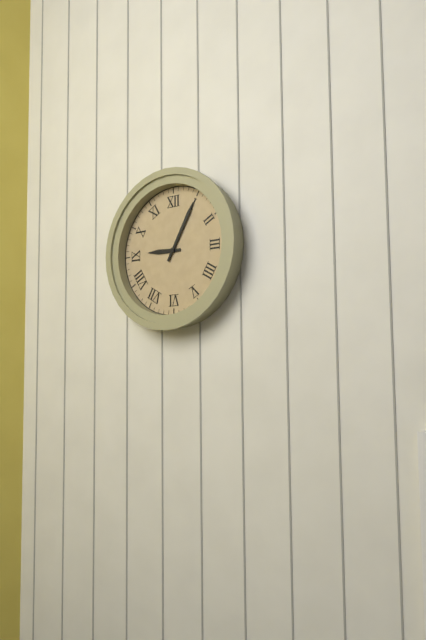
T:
9:05
